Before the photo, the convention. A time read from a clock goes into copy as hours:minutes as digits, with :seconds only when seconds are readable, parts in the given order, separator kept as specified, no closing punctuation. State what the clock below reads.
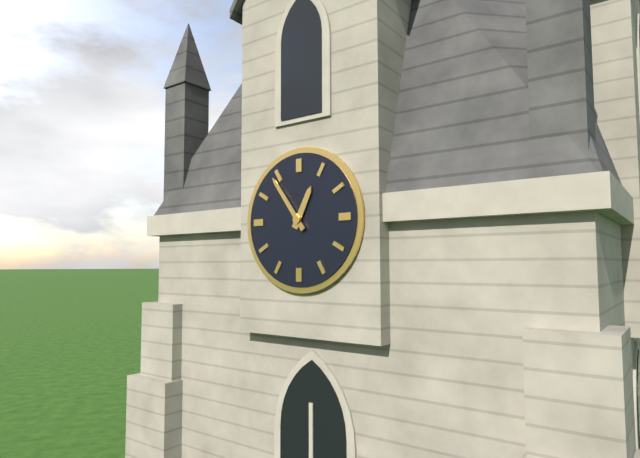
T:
12:54
